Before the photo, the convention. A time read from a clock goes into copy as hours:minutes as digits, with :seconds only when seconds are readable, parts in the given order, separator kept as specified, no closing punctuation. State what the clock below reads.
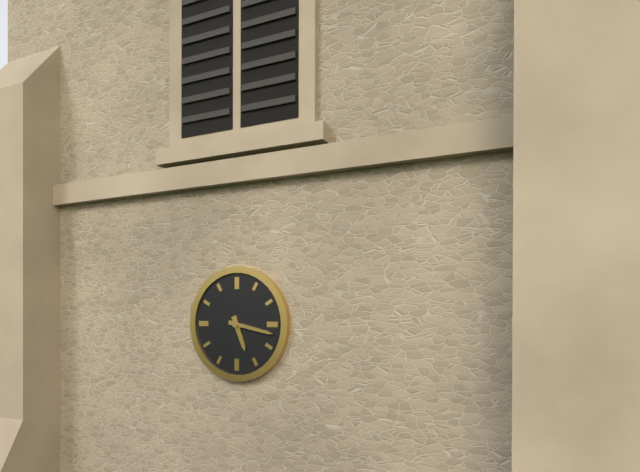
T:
5:17
